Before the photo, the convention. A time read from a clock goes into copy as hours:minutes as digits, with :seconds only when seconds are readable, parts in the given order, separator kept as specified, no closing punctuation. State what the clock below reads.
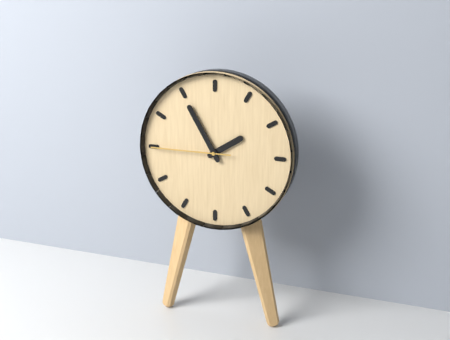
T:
1:55:45
